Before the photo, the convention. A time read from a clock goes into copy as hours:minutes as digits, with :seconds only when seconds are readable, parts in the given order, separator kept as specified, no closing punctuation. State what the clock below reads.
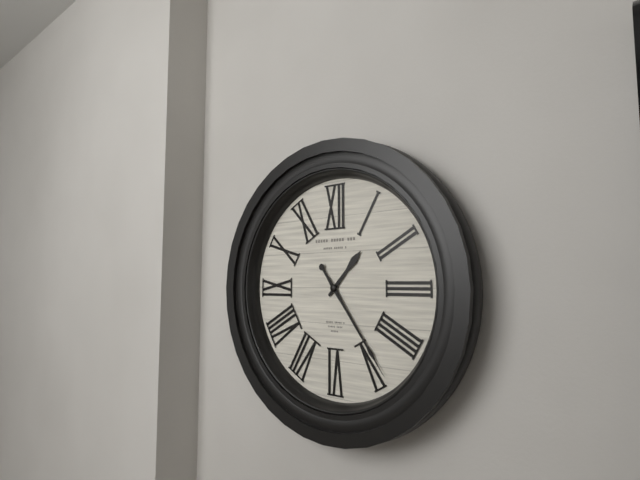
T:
1:24
